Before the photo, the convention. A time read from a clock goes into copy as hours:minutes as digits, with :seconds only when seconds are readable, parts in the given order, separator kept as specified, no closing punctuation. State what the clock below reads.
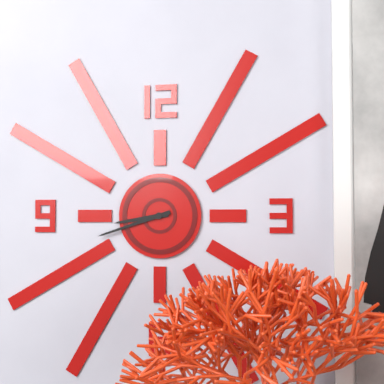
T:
8:42
